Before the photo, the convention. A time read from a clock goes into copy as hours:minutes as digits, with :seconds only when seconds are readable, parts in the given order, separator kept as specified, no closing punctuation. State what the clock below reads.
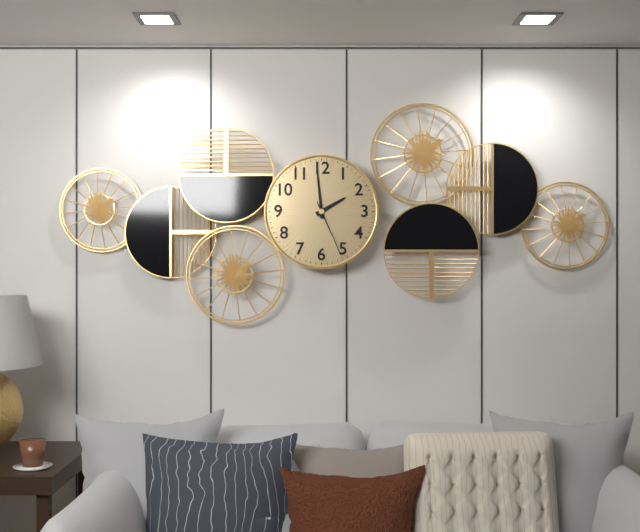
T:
1:59:26
